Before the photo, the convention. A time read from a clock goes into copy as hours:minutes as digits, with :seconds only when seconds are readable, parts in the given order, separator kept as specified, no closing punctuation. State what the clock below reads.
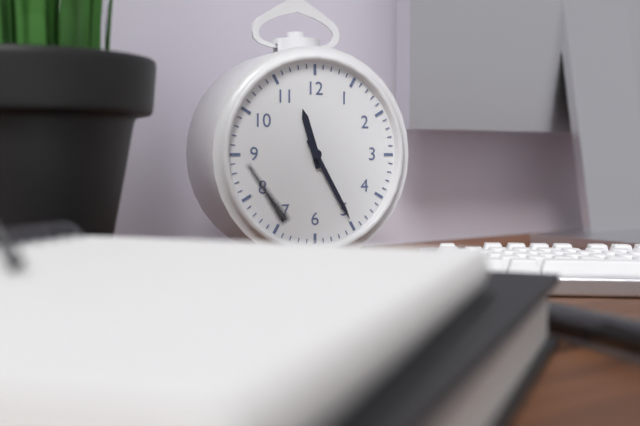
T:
11:25
